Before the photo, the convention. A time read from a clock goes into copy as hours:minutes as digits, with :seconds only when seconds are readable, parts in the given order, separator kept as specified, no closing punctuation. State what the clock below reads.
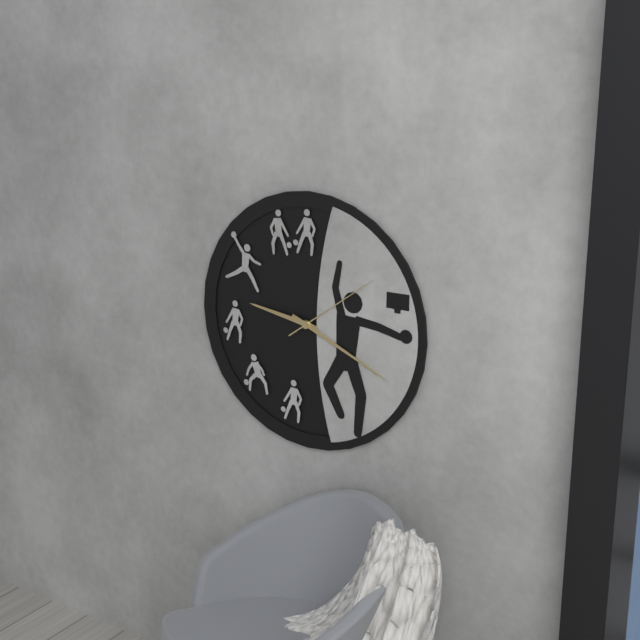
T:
9:19:09
